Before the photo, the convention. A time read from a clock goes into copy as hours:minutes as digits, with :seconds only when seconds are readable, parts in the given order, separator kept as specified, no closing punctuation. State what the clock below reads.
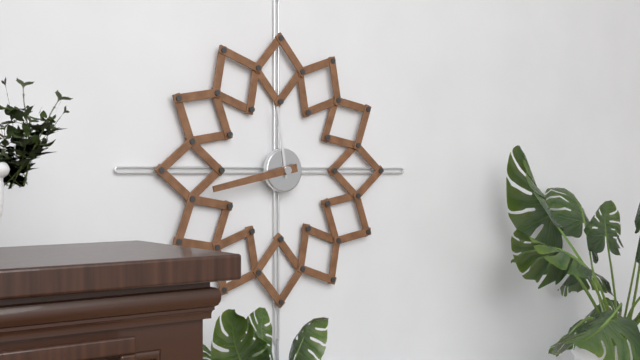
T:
11:43
